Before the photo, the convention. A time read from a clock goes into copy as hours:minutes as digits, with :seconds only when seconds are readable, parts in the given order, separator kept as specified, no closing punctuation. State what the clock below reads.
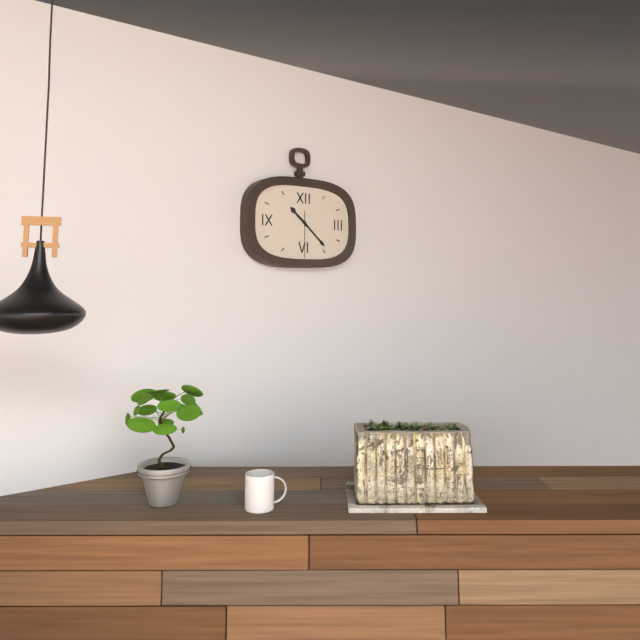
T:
10:22
